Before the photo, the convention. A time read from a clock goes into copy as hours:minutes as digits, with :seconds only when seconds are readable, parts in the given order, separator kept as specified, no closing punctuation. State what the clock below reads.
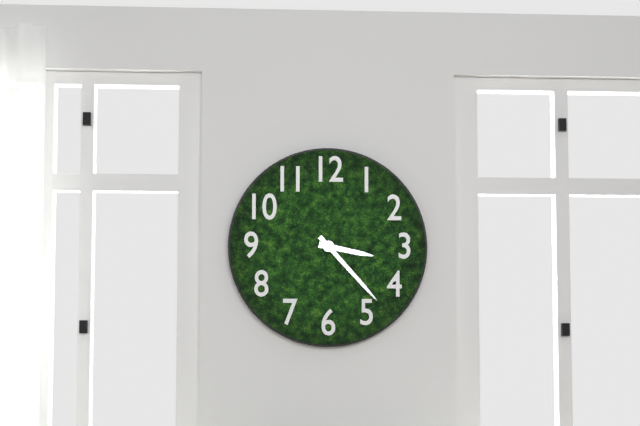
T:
3:23
